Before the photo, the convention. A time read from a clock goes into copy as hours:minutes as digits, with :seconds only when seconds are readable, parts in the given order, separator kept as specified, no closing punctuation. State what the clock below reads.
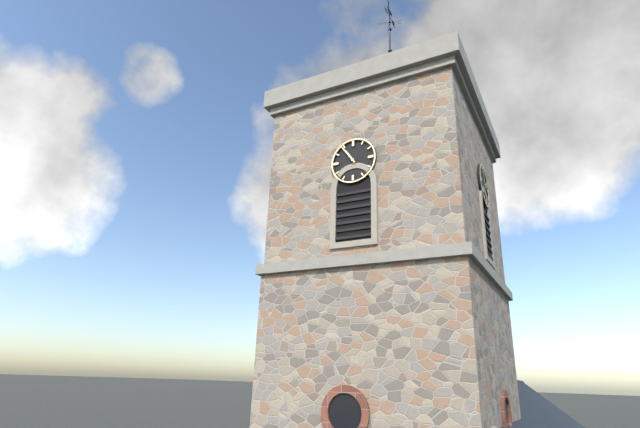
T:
10:54
